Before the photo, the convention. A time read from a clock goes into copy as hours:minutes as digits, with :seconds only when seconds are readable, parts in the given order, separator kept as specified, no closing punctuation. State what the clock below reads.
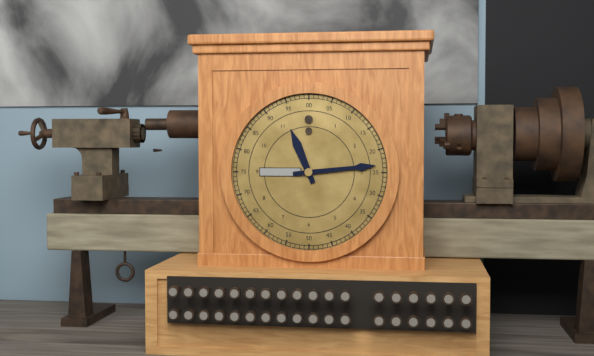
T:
11:14
